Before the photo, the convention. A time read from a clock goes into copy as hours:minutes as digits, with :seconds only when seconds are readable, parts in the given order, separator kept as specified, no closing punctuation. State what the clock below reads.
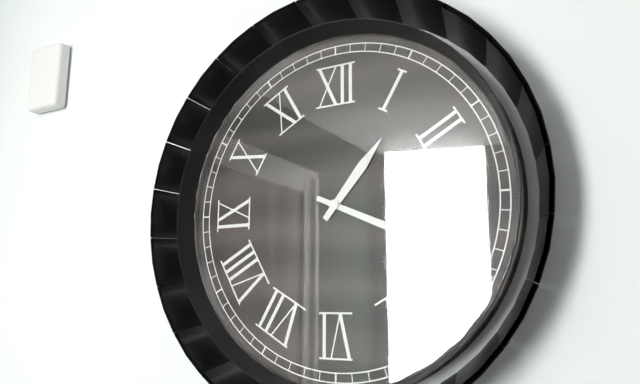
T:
1:19
